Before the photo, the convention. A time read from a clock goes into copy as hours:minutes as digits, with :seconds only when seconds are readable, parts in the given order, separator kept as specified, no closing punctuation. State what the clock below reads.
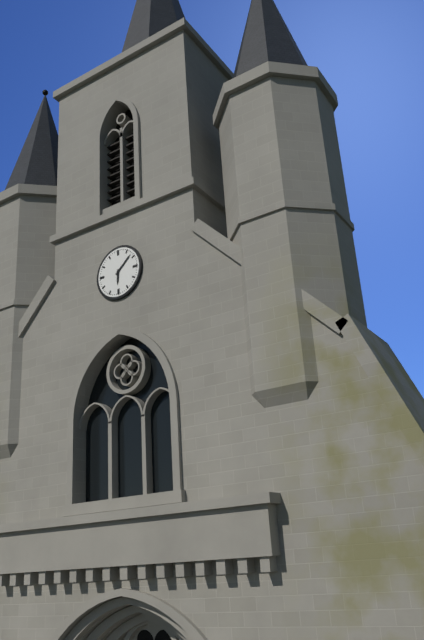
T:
6:08
